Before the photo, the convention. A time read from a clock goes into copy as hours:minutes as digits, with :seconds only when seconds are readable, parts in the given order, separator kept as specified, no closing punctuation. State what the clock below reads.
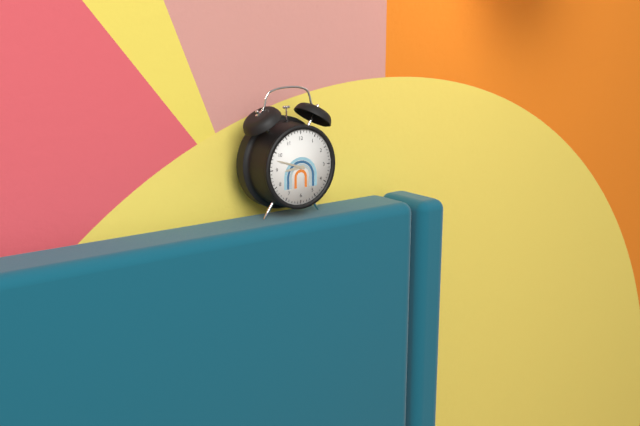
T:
8:48
